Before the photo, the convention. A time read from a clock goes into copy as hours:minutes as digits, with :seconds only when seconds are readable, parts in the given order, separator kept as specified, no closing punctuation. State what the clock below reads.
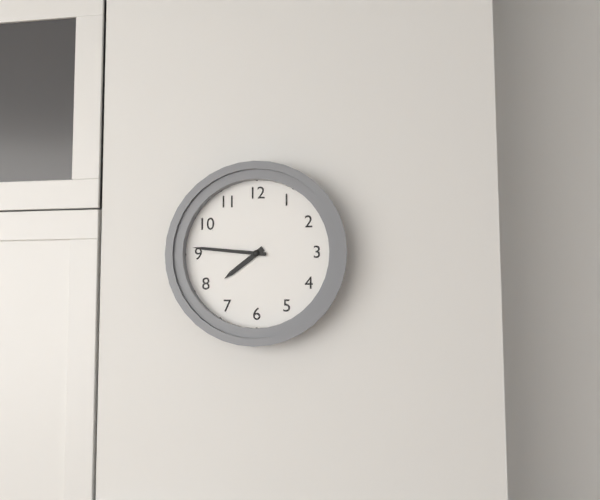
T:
7:46
